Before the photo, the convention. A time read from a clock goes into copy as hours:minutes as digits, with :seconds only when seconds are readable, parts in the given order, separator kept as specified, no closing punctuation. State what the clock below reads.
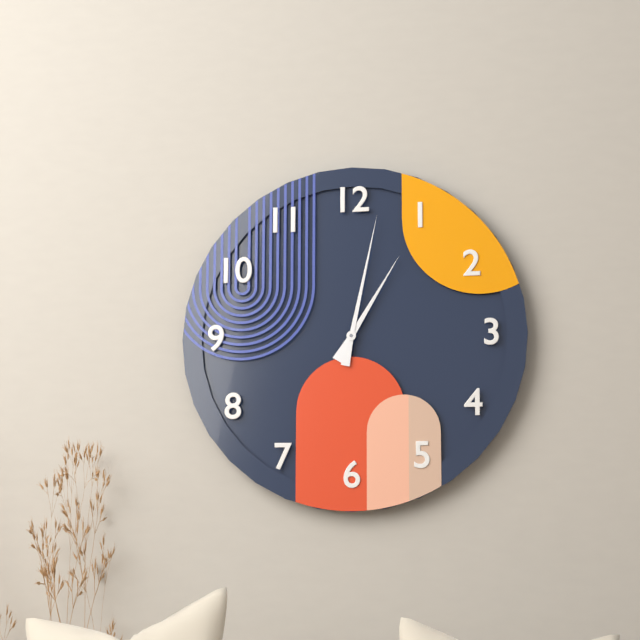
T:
1:02
